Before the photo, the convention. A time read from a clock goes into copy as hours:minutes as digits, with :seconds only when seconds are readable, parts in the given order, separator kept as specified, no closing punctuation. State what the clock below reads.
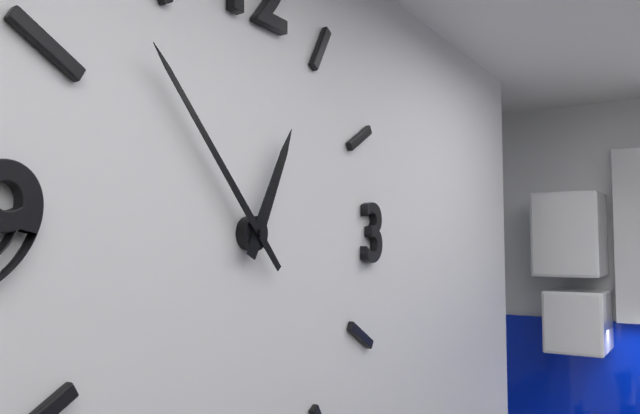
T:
12:53
